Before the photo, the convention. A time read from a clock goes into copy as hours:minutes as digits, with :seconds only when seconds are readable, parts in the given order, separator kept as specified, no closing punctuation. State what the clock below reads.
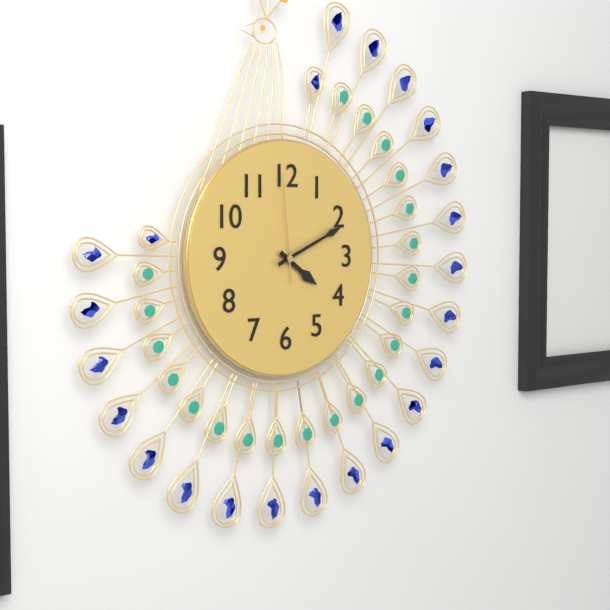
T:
4:11:59
